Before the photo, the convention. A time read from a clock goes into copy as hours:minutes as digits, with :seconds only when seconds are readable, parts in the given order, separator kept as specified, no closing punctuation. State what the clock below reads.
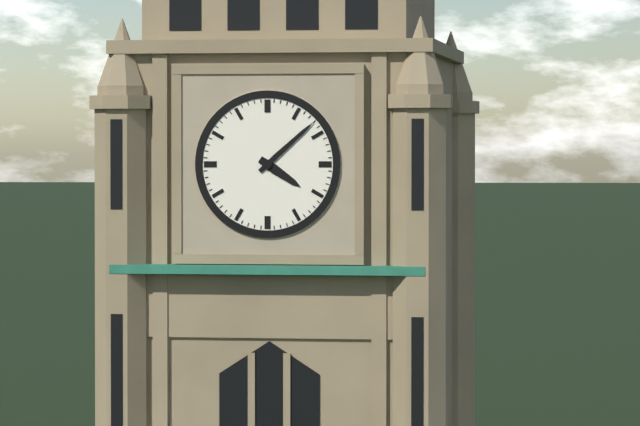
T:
4:08
